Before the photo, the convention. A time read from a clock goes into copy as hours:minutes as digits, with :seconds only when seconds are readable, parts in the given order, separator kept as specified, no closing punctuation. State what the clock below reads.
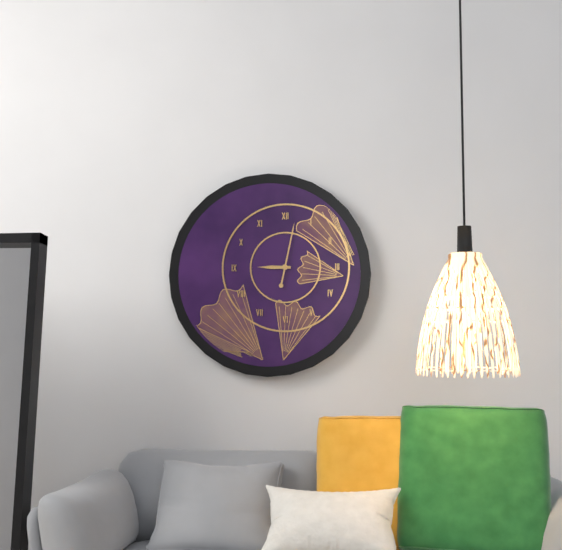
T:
9:02
